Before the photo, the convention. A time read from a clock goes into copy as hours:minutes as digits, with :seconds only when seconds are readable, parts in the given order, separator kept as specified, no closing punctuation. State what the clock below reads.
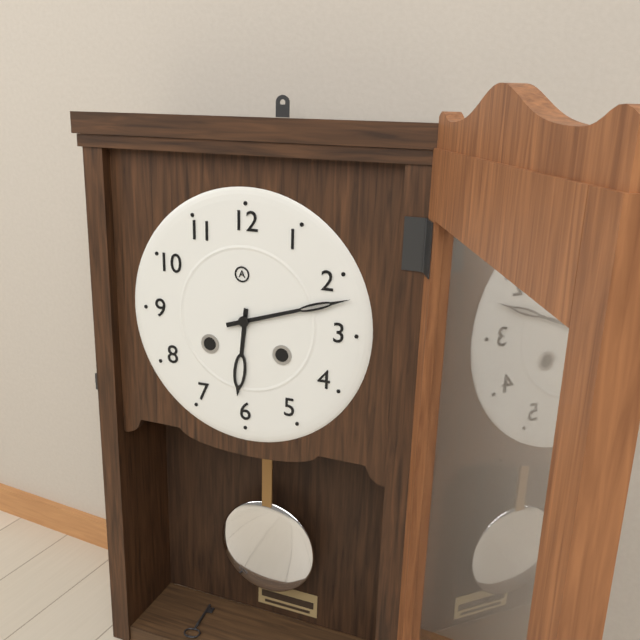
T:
6:12
